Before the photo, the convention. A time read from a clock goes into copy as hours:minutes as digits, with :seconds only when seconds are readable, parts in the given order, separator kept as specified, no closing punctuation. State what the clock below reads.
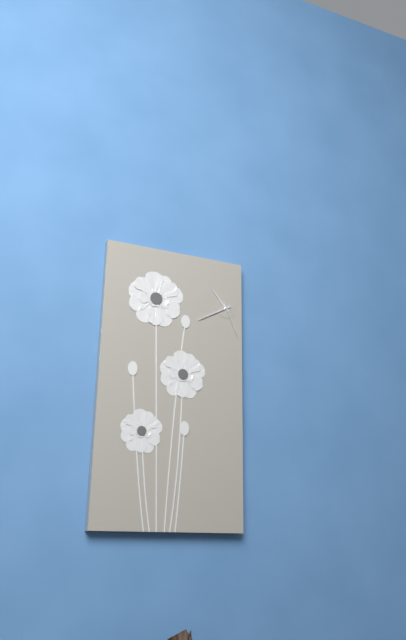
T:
10:40
